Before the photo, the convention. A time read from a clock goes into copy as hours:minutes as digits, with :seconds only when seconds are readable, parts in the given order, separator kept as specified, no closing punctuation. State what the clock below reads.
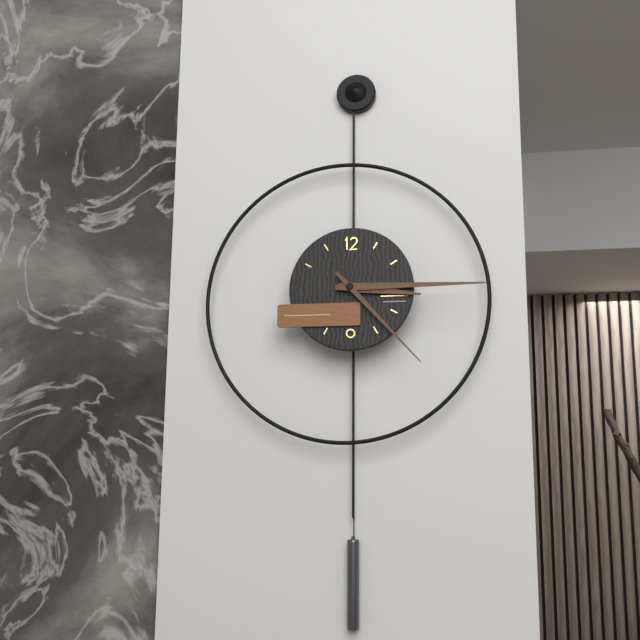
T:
3:15:23
